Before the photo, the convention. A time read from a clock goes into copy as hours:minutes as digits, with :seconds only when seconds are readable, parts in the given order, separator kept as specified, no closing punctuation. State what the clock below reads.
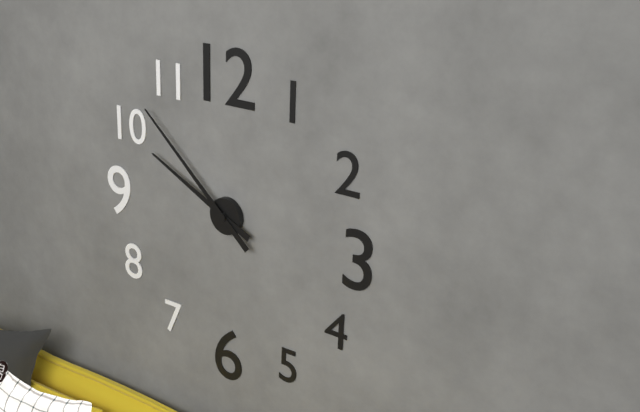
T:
9:52
